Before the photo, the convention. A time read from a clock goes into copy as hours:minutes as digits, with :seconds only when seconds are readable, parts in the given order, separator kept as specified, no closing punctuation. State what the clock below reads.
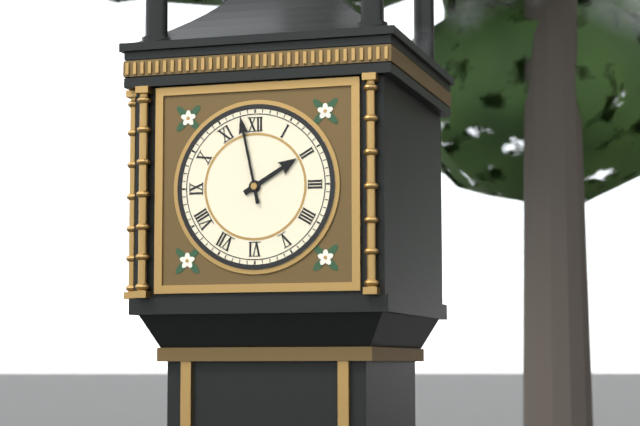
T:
1:58
